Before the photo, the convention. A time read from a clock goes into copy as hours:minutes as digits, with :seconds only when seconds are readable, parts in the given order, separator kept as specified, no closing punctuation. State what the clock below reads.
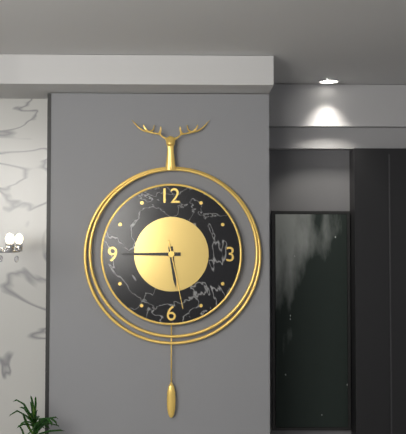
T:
5:45:28
